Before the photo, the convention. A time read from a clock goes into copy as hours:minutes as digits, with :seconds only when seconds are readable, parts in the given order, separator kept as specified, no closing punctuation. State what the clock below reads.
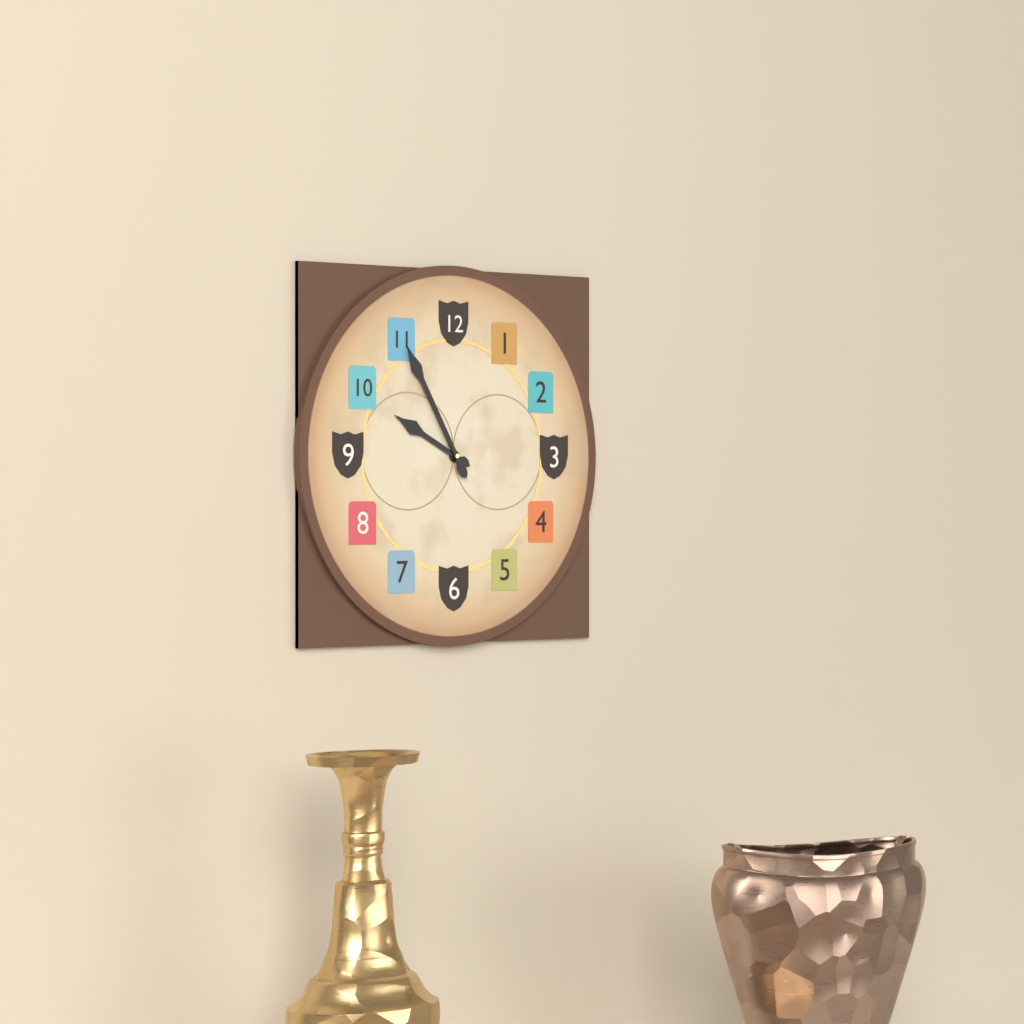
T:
9:55
